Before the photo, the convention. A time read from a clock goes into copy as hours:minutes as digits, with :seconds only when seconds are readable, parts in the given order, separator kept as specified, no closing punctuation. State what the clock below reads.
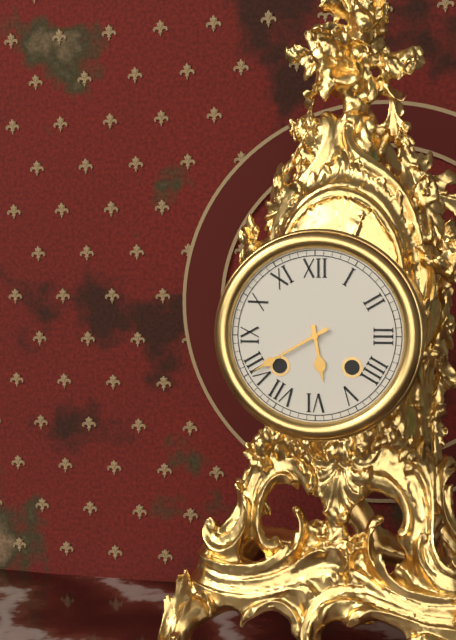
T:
5:40
